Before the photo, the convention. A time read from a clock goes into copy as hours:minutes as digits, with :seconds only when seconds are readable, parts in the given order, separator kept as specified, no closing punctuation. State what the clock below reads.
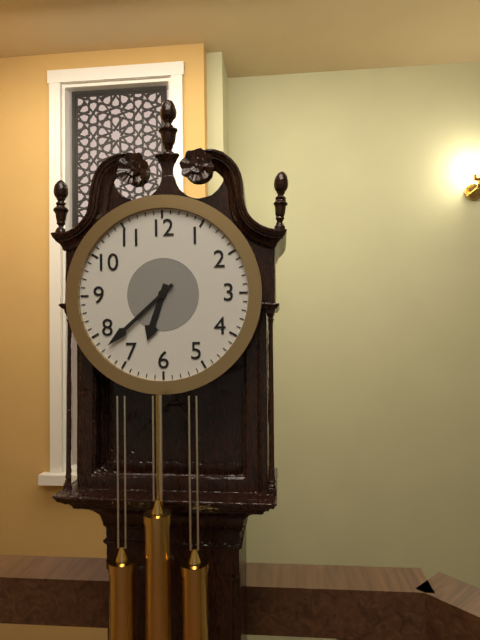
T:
6:38
